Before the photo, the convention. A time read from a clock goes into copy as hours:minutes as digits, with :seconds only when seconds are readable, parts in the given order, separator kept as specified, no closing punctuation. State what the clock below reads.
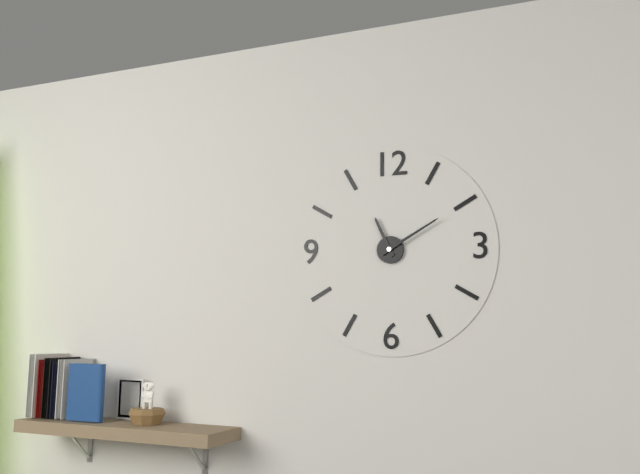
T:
11:10
